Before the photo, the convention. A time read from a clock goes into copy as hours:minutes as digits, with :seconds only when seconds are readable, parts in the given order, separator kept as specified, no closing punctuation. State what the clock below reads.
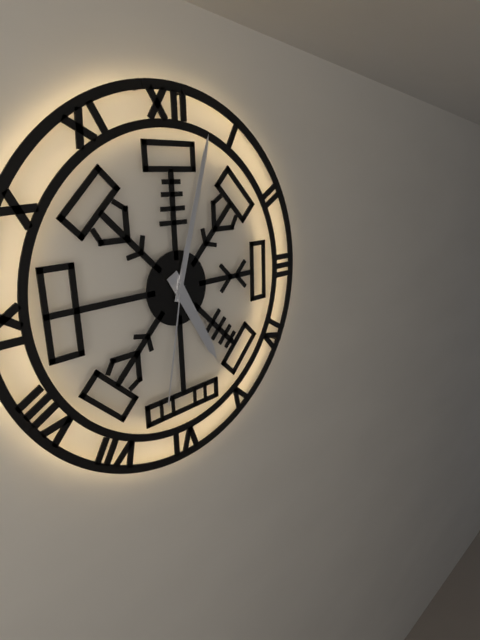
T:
5:03:32
